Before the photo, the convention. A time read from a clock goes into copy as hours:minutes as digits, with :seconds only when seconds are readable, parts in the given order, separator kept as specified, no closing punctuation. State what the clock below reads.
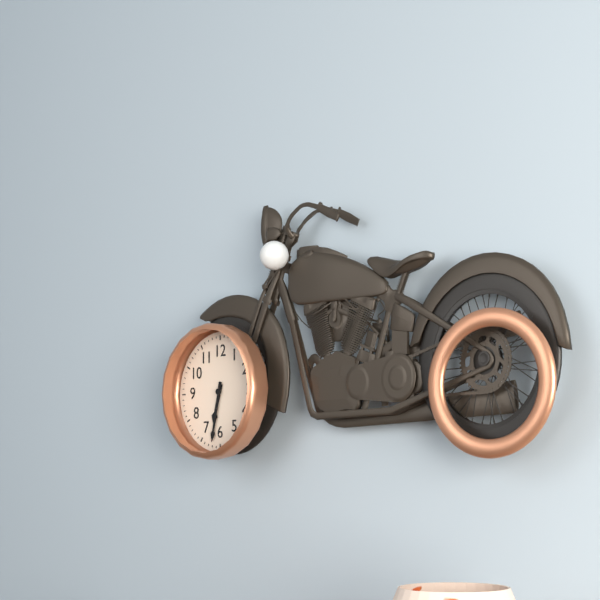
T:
6:32
